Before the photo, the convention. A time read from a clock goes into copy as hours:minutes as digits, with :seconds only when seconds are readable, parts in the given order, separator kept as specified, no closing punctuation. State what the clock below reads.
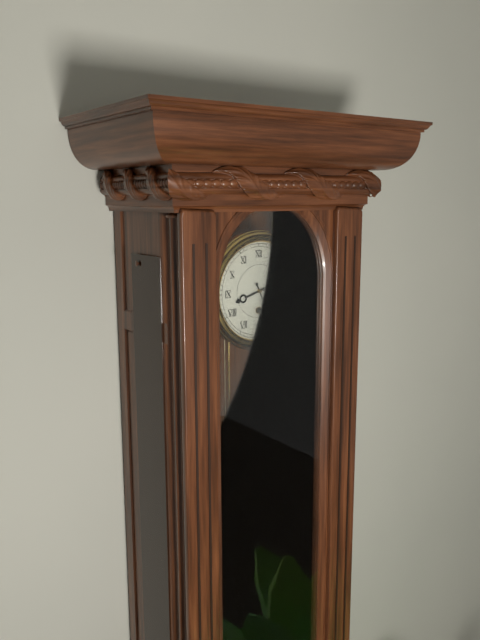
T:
8:26
